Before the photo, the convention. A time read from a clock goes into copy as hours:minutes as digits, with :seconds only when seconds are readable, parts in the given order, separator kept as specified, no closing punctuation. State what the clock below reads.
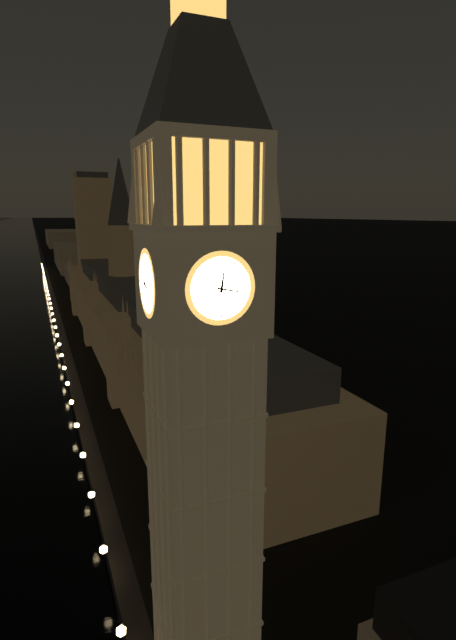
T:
12:17
